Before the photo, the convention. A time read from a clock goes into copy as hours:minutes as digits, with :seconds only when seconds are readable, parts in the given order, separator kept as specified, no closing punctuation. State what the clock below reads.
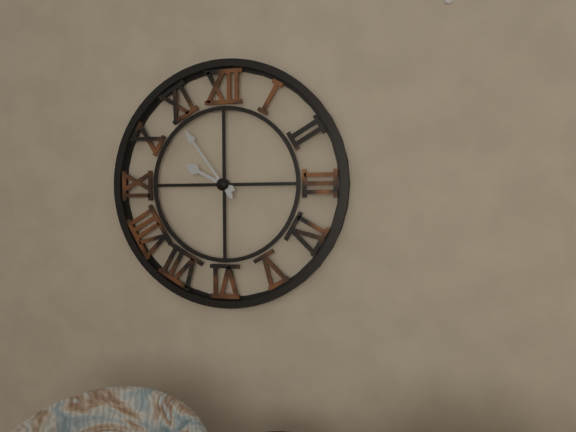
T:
9:54
